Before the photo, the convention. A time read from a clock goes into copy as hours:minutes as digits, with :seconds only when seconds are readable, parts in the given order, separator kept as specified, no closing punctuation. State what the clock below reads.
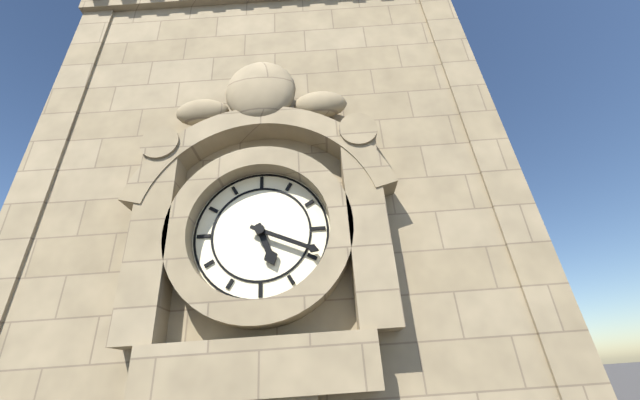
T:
5:19
